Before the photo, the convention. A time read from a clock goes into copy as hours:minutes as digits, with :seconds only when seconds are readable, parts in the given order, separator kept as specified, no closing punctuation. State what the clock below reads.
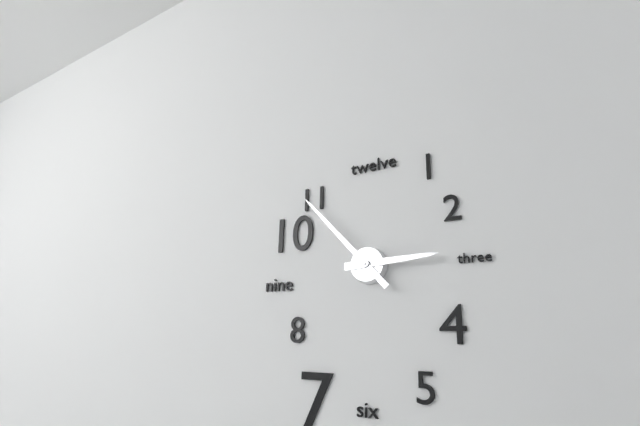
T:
2:53
